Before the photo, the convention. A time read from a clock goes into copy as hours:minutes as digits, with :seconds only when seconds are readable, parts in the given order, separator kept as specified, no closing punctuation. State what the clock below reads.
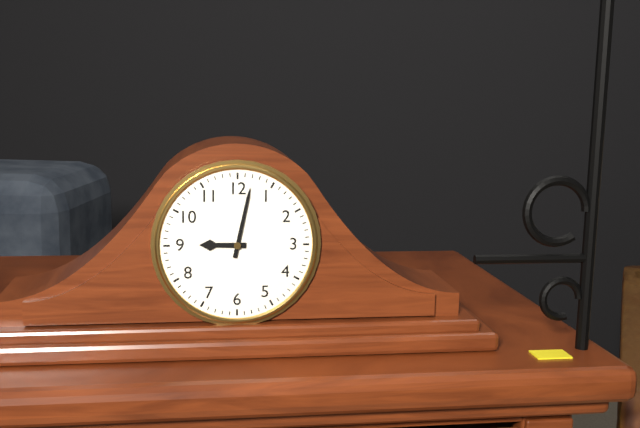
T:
9:02
